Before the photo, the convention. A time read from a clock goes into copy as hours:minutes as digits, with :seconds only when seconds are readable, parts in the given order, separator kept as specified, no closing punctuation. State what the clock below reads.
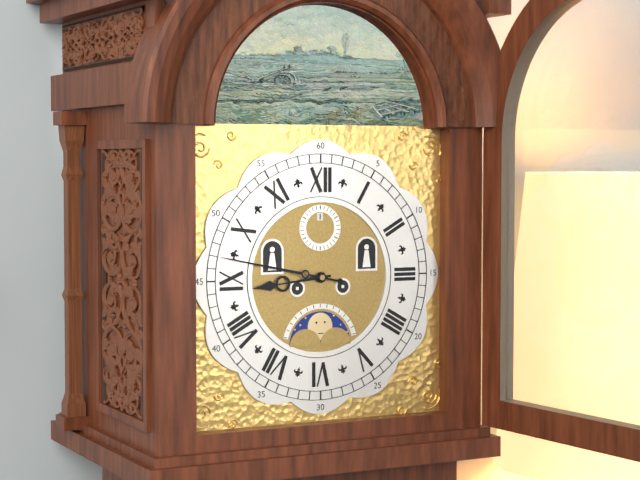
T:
8:47
